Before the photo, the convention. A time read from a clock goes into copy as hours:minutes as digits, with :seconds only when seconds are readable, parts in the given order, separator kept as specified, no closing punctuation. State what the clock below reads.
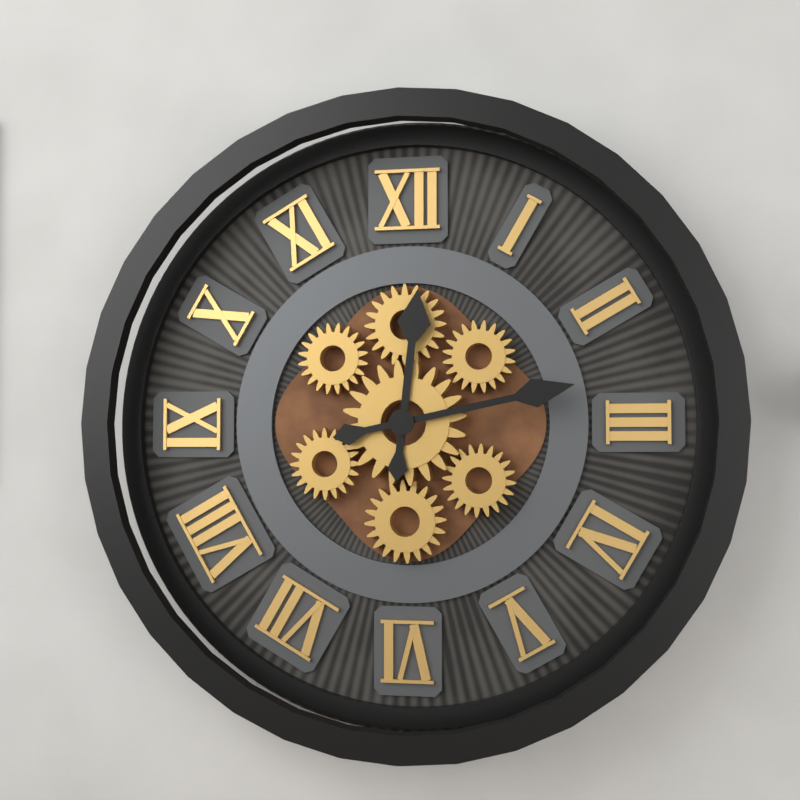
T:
12:13
